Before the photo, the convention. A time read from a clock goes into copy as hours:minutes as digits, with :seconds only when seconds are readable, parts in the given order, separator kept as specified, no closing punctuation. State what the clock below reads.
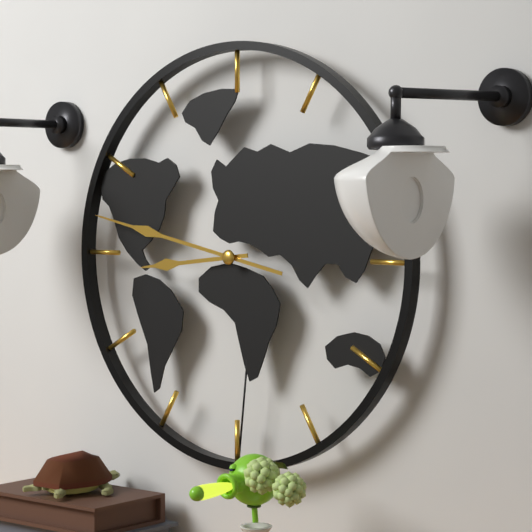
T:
8:47
